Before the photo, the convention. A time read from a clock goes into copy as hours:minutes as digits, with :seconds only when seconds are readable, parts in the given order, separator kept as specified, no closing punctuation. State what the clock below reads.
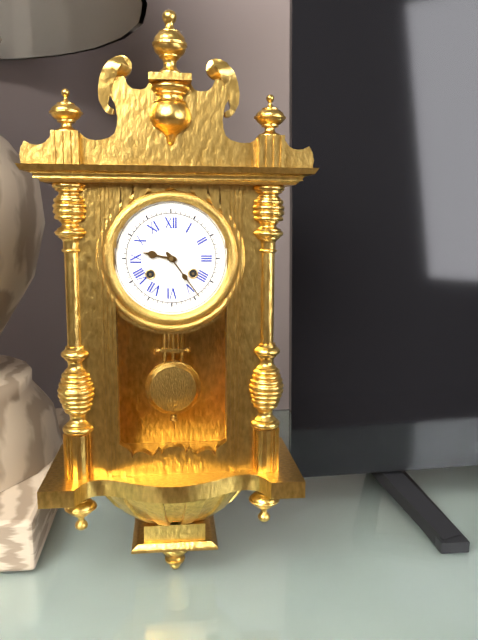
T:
9:24
